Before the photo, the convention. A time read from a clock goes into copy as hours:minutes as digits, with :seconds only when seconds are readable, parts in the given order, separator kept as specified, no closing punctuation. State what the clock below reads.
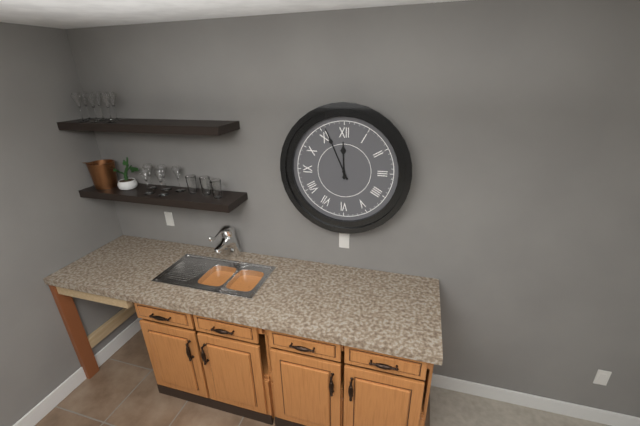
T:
11:56
